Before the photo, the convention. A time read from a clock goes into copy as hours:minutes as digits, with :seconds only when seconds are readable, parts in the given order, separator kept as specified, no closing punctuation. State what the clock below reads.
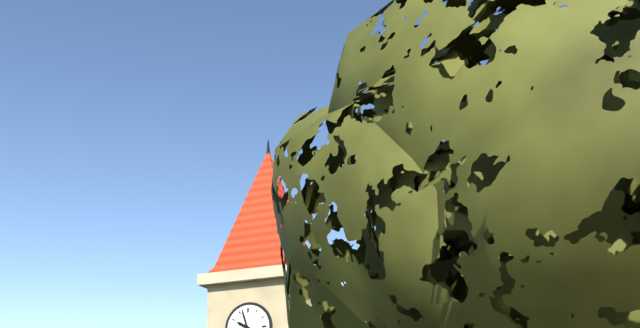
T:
9:57
